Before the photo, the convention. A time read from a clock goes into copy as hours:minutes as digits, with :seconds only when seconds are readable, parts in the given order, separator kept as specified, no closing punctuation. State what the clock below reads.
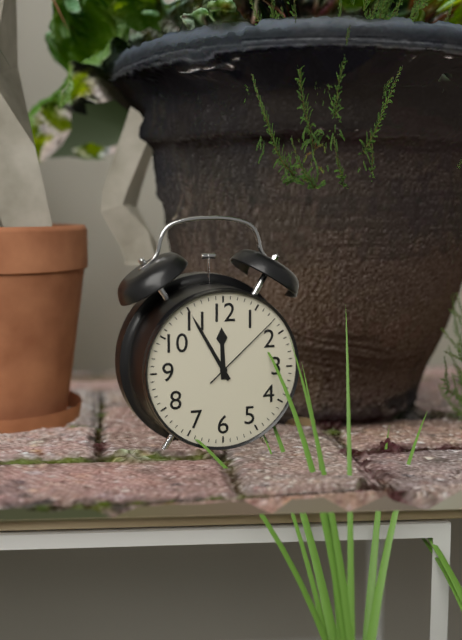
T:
11:55:08
